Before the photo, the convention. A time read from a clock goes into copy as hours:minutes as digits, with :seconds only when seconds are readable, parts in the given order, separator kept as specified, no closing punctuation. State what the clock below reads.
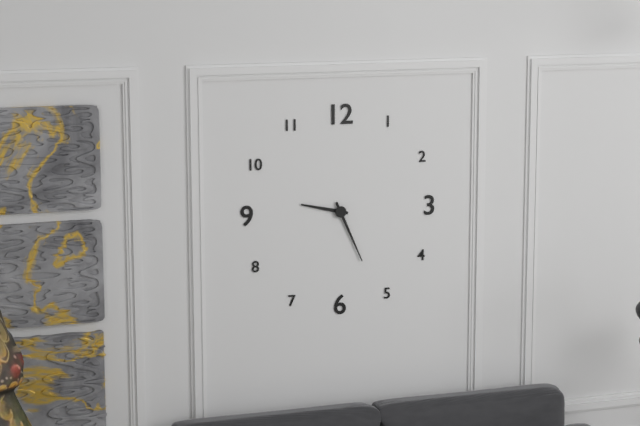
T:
9:26
